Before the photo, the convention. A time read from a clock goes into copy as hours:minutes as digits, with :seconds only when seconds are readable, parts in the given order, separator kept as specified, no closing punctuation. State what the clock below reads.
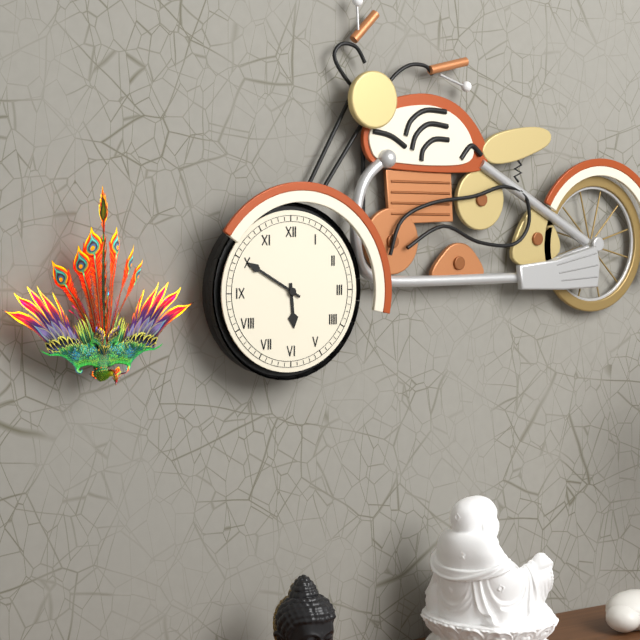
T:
5:50
